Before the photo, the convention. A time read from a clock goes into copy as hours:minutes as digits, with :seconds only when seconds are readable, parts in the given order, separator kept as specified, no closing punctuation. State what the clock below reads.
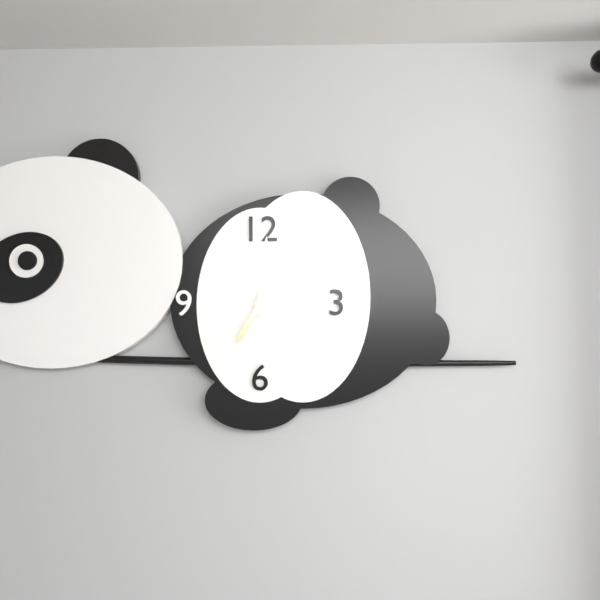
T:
7:01
